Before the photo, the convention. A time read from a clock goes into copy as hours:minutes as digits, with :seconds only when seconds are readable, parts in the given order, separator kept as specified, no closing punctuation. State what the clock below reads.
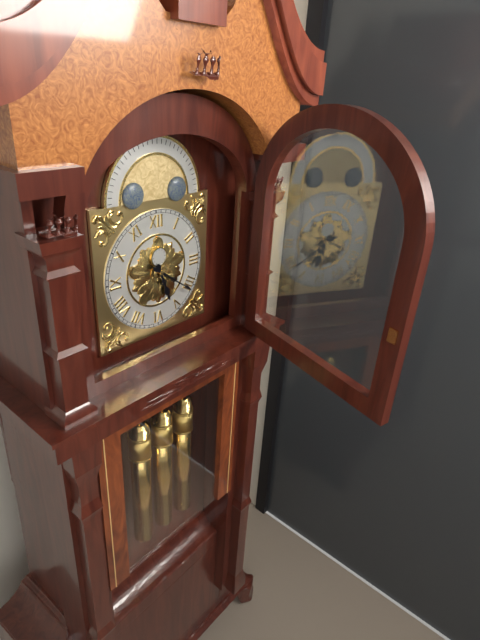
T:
5:21
